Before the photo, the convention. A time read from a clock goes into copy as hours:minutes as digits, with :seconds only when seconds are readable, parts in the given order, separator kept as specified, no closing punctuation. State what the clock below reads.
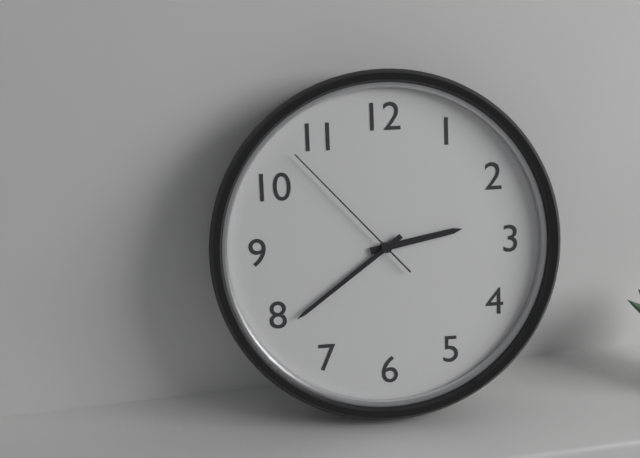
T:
2:39:53
